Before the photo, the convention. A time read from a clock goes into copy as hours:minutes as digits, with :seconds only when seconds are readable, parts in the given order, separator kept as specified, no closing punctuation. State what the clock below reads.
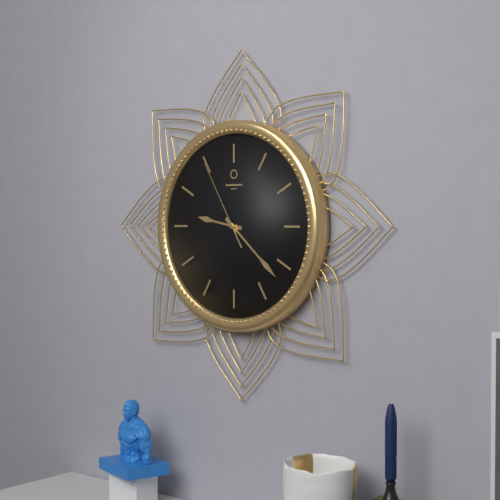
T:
9:22:55
